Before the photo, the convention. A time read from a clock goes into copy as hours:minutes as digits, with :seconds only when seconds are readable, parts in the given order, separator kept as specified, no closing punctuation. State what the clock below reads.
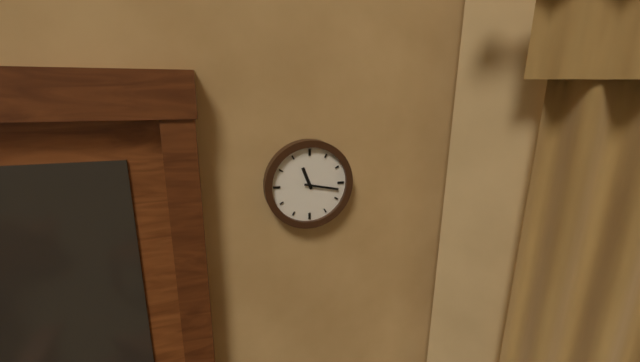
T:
11:17
